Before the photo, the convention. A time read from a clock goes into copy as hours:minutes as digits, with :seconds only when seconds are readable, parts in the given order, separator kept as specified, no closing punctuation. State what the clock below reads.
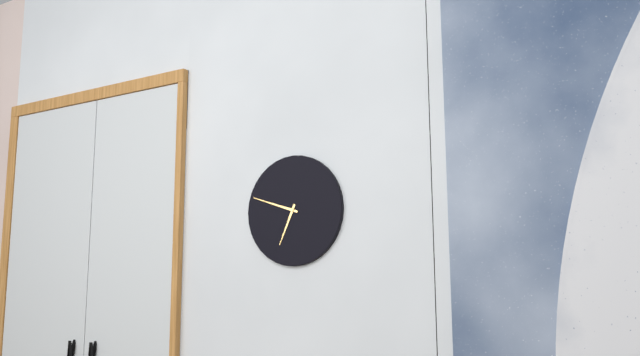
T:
6:48
